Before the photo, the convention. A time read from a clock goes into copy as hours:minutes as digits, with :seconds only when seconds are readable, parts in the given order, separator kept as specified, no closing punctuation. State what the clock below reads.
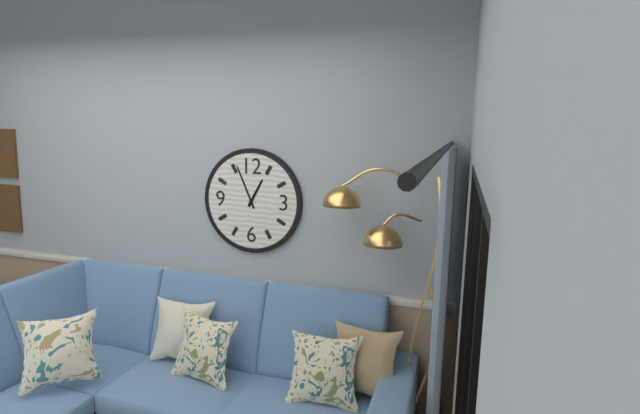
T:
12:56
